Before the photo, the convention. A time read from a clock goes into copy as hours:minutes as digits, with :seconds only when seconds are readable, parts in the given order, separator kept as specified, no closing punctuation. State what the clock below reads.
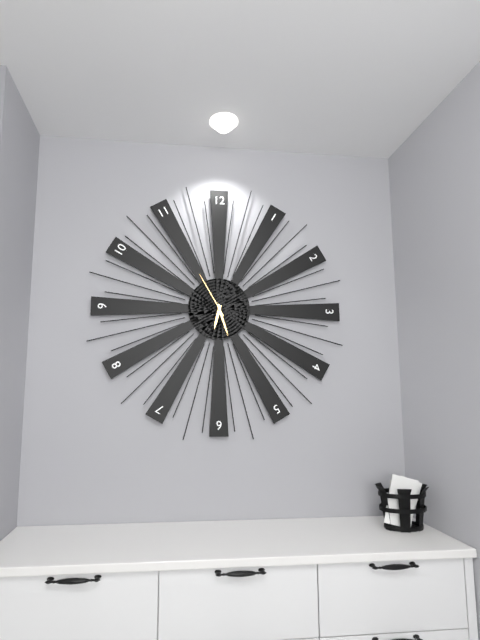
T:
6:27
